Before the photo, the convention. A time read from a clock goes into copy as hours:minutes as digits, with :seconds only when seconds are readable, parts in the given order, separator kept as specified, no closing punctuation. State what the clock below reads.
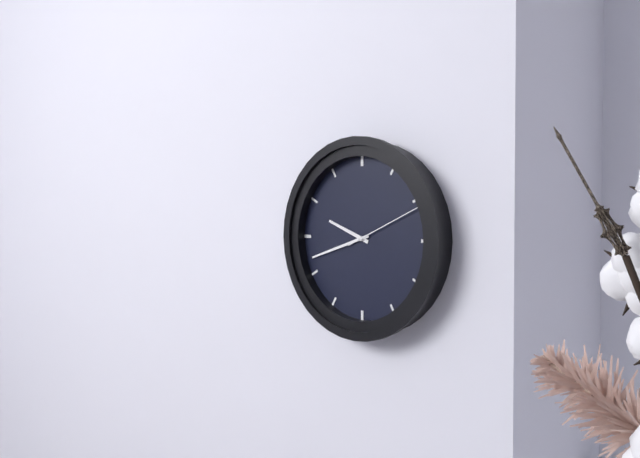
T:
9:42:11
